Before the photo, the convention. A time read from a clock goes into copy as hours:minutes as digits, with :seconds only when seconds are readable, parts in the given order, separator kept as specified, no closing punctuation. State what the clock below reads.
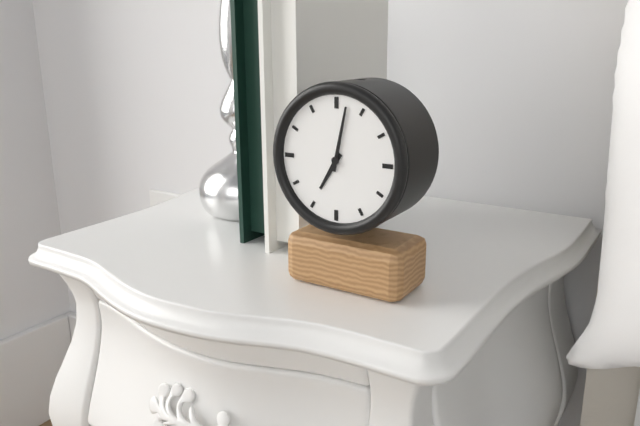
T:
7:02
